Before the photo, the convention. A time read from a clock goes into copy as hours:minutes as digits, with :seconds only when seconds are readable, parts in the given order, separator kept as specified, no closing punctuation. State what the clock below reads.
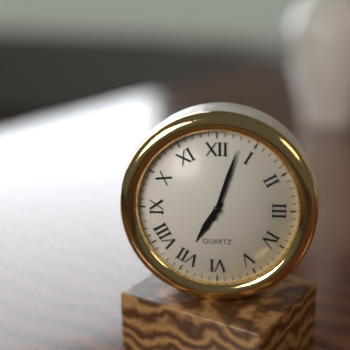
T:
7:03
